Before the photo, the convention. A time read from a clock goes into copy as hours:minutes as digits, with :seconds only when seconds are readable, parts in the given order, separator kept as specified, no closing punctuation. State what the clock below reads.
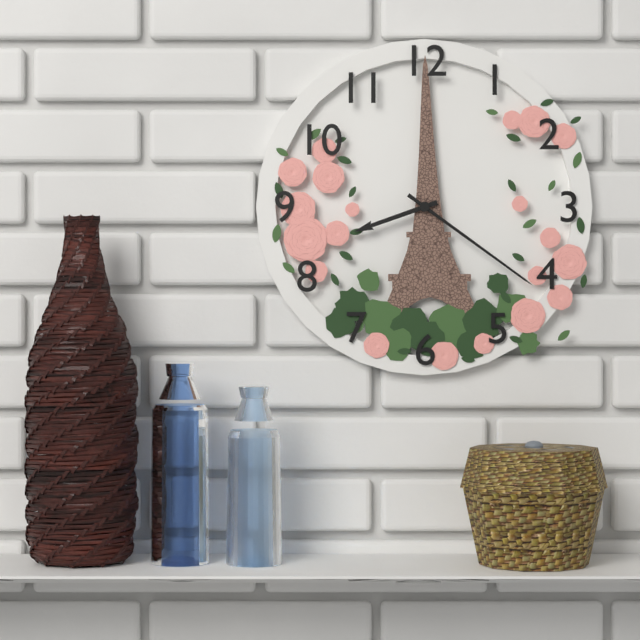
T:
8:21
